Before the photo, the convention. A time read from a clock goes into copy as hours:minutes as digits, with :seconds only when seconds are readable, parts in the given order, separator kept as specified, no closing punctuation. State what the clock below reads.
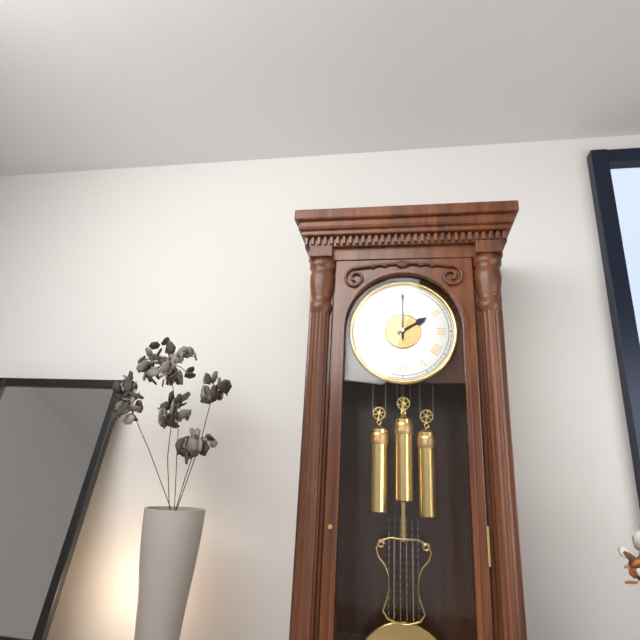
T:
2:00
